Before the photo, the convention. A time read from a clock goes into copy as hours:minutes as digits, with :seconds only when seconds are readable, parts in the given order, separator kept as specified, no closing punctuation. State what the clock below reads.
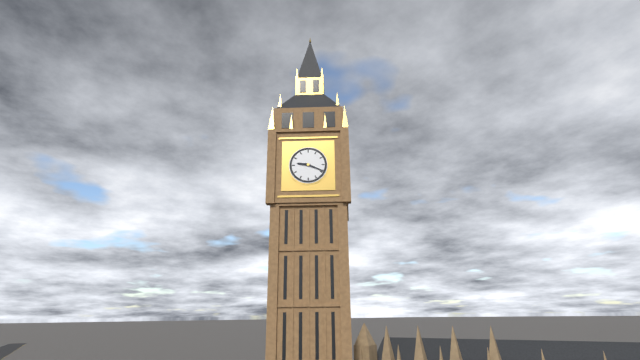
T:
9:19
